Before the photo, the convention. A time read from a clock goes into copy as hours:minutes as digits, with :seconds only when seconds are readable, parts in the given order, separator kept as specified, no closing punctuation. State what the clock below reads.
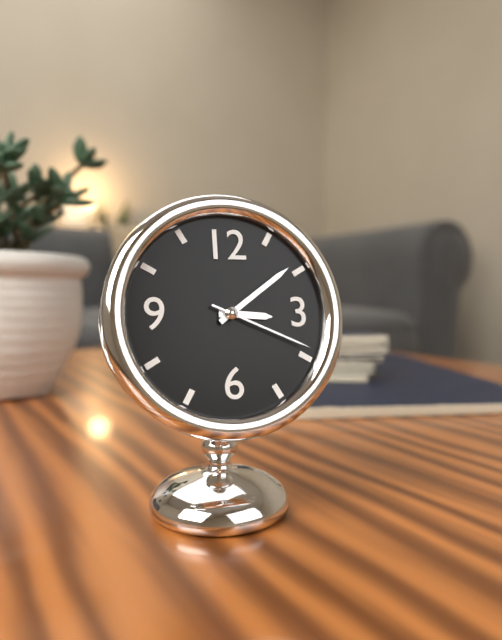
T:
3:09:19
